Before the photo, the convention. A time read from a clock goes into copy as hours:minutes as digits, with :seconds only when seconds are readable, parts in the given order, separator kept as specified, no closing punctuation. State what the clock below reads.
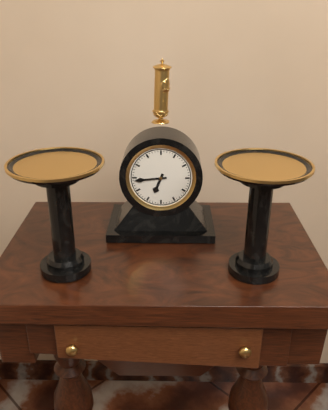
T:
6:44
